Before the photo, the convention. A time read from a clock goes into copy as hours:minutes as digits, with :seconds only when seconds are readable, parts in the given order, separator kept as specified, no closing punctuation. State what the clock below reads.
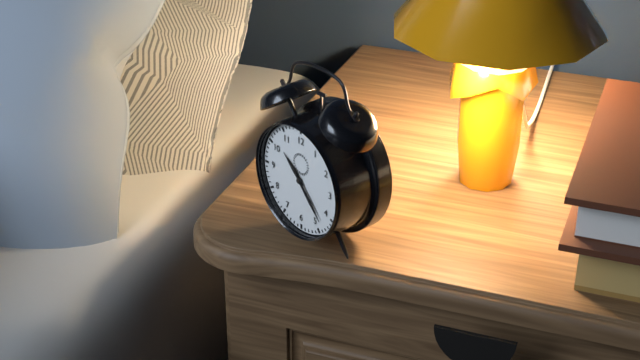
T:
10:23
